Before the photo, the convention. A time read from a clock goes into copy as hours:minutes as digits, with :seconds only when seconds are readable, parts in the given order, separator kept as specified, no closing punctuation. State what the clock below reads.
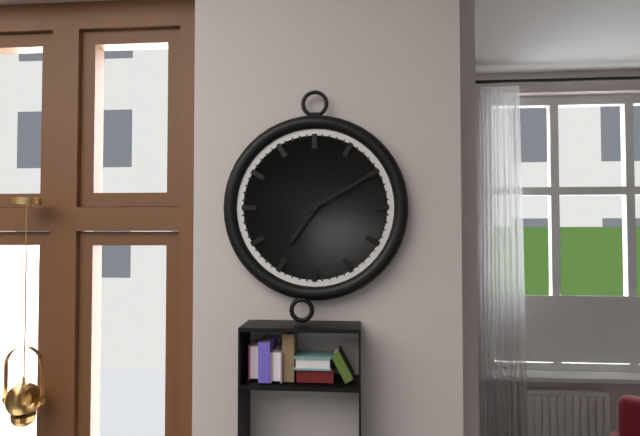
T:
7:10
